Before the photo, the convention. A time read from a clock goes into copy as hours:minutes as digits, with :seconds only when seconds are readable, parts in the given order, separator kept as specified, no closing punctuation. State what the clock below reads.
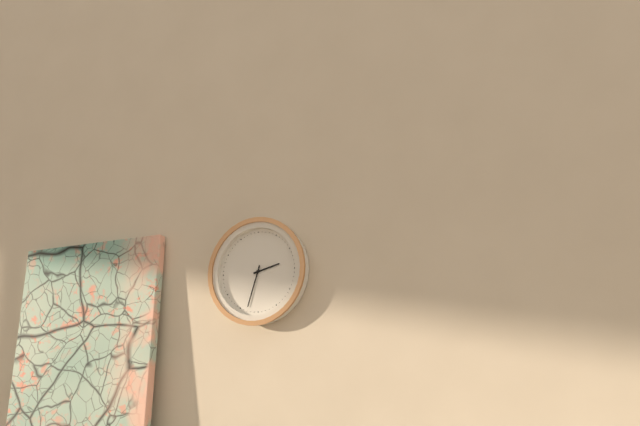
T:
2:33
